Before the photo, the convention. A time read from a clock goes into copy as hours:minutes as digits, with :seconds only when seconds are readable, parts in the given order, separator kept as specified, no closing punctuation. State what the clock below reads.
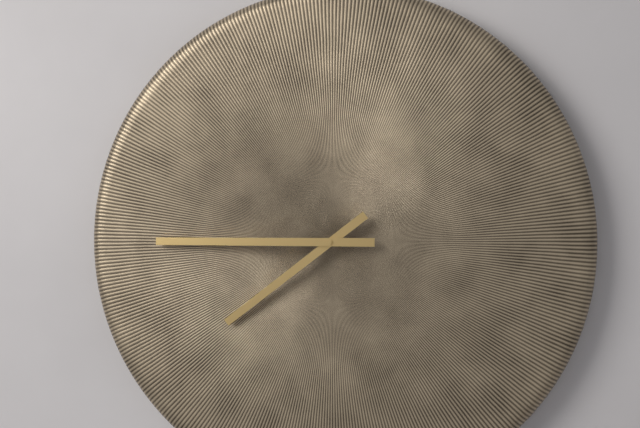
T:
7:45
